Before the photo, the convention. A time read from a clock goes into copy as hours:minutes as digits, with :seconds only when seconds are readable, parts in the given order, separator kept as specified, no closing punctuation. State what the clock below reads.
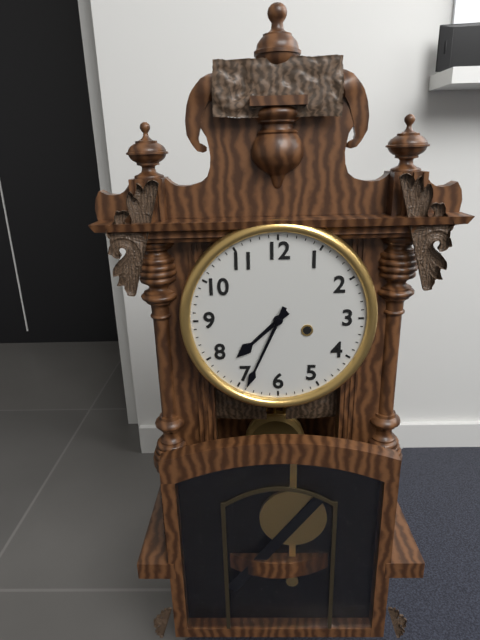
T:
7:34
